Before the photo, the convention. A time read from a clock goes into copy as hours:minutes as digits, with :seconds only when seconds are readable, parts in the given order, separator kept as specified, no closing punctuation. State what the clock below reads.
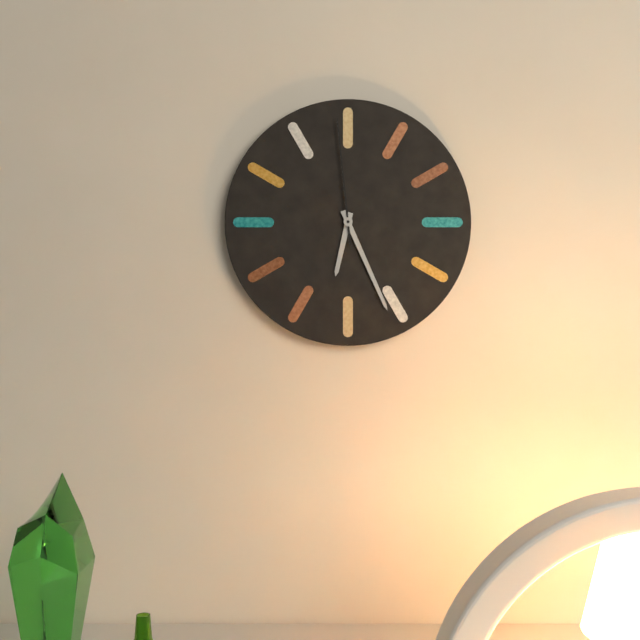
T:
6:26:59
